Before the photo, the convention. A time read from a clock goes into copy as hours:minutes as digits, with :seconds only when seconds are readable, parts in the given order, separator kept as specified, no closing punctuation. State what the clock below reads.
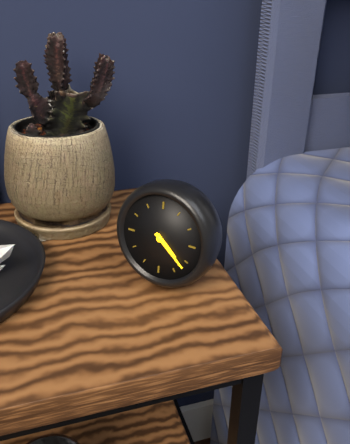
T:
4:22
